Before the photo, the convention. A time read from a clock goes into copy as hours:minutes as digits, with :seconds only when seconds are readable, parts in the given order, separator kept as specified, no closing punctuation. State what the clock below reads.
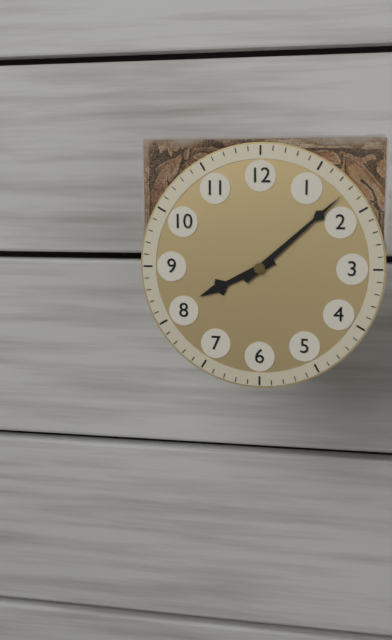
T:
8:08
